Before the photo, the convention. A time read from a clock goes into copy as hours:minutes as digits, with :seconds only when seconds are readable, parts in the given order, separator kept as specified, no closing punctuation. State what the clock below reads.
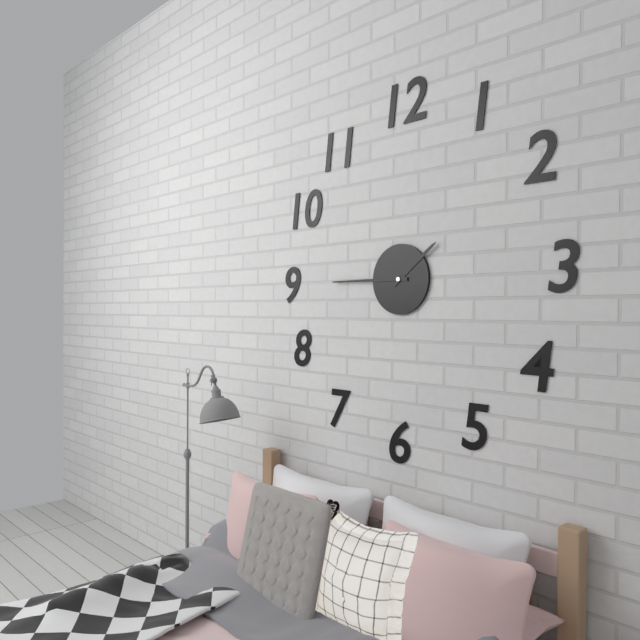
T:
1:45
